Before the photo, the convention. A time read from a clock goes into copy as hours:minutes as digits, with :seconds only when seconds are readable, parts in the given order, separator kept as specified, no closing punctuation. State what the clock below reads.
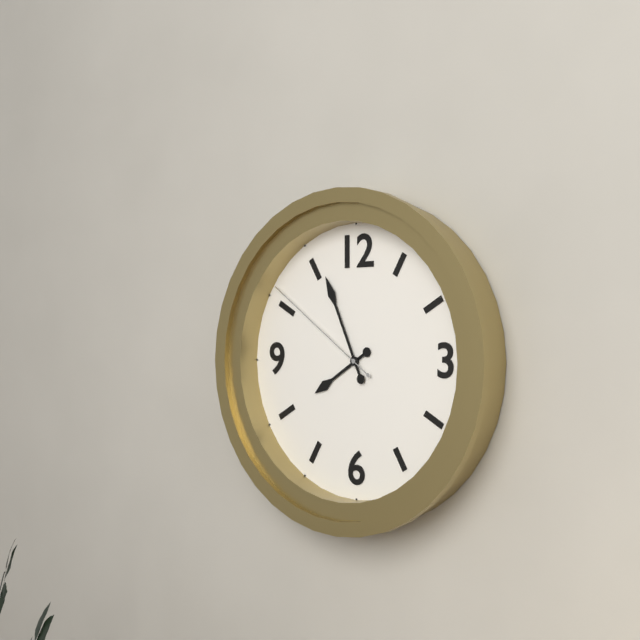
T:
7:56:51
